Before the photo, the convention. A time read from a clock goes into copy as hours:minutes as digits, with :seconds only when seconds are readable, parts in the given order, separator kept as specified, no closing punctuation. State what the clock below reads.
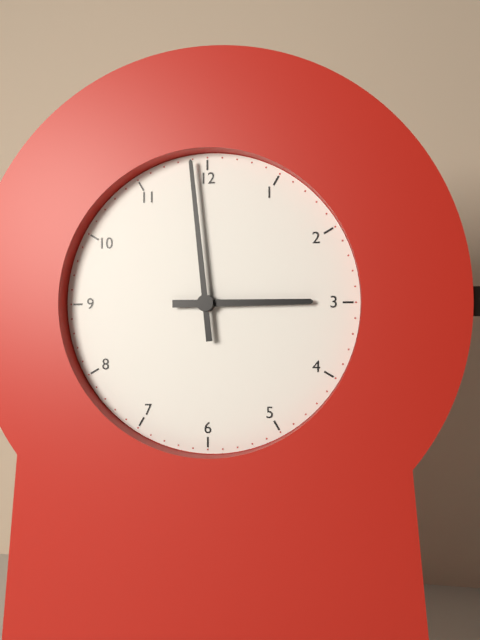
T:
2:59
